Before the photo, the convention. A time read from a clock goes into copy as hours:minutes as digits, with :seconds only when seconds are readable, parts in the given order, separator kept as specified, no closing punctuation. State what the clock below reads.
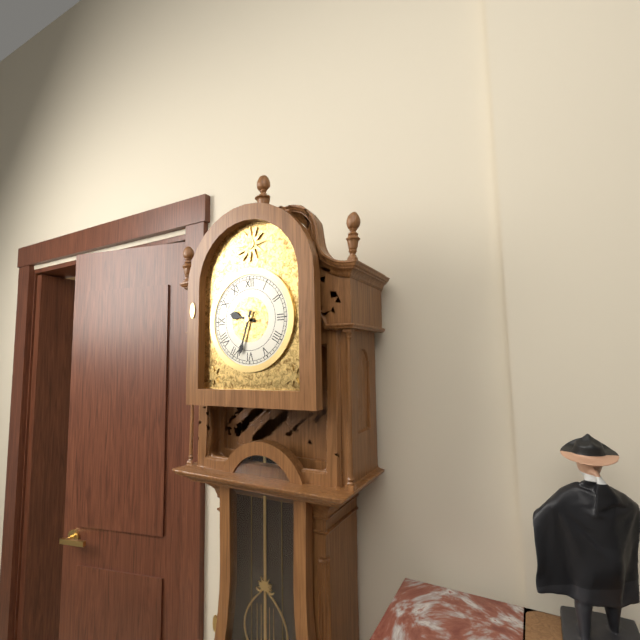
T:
9:33
